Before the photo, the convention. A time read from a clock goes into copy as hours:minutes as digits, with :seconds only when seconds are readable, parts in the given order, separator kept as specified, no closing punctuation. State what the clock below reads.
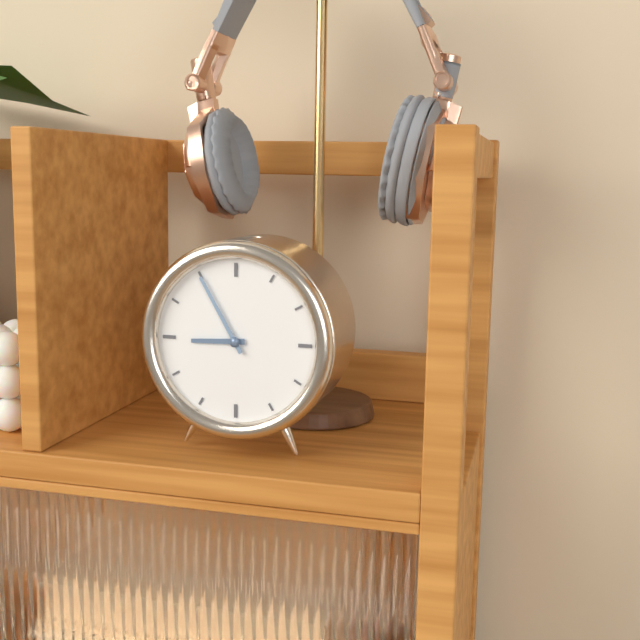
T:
8:55
